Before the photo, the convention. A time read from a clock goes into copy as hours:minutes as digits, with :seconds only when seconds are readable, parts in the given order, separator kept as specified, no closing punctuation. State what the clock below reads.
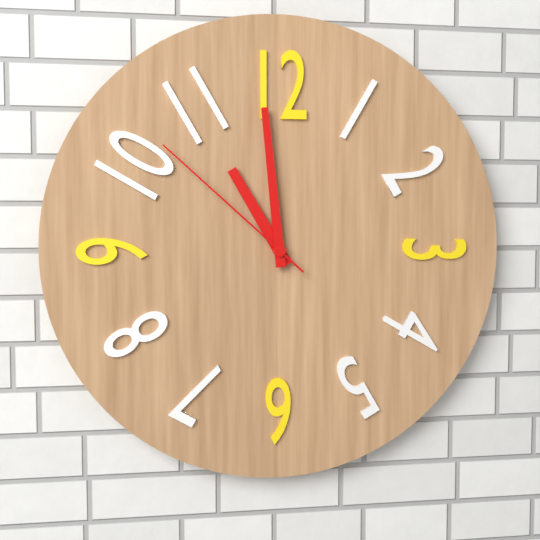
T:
10:59:52
